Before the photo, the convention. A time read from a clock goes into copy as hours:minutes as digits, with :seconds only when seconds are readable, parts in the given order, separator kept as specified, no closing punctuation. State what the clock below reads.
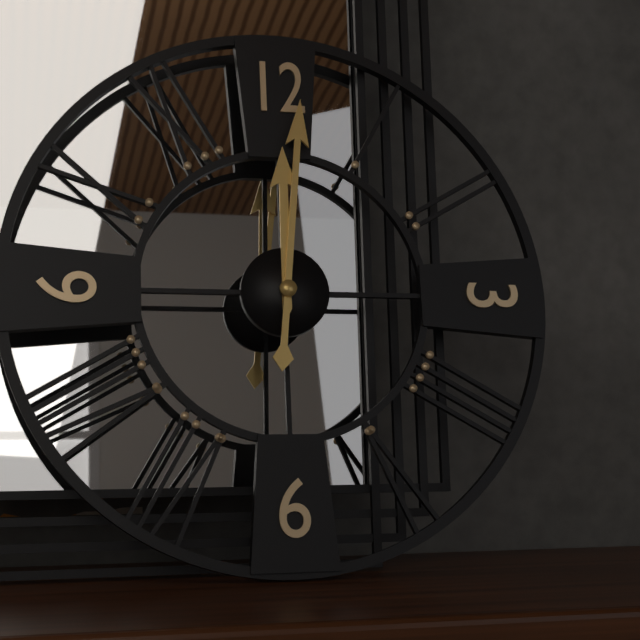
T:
12:01
